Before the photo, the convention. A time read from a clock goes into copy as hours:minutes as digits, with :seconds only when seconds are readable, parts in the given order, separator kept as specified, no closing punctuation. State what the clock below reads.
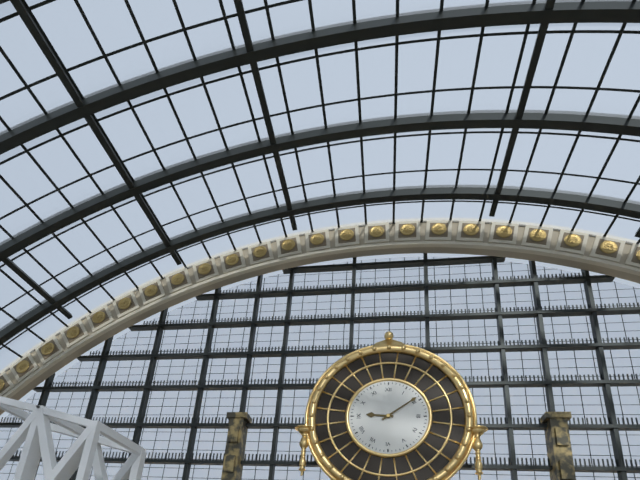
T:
9:09
